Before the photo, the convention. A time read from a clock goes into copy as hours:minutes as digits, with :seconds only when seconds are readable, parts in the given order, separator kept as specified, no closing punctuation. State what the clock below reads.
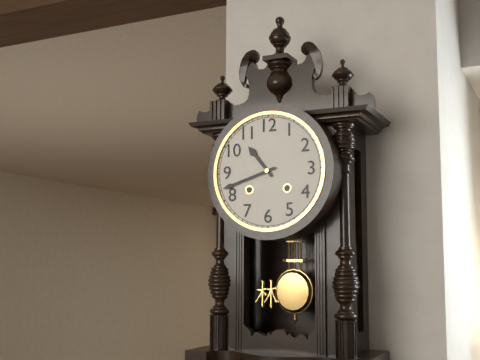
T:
10:42
